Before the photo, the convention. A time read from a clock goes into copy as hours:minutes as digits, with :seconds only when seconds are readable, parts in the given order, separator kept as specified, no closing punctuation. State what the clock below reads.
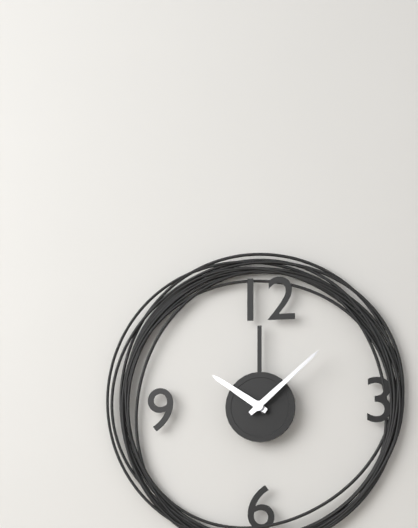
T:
10:08
